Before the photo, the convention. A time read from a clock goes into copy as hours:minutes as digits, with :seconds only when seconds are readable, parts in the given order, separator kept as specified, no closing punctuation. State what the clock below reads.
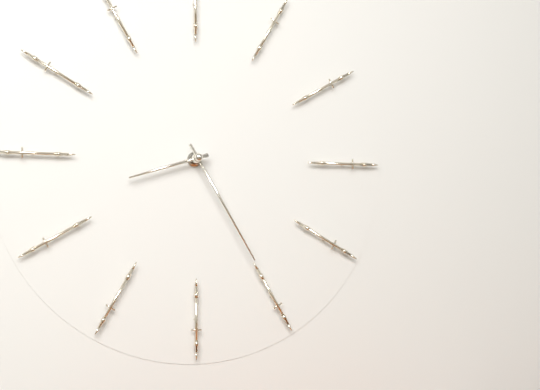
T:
8:25
